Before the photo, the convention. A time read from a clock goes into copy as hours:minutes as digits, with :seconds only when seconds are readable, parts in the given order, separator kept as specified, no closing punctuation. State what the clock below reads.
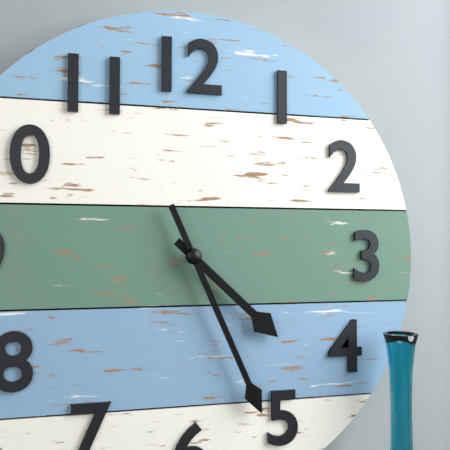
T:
4:26
